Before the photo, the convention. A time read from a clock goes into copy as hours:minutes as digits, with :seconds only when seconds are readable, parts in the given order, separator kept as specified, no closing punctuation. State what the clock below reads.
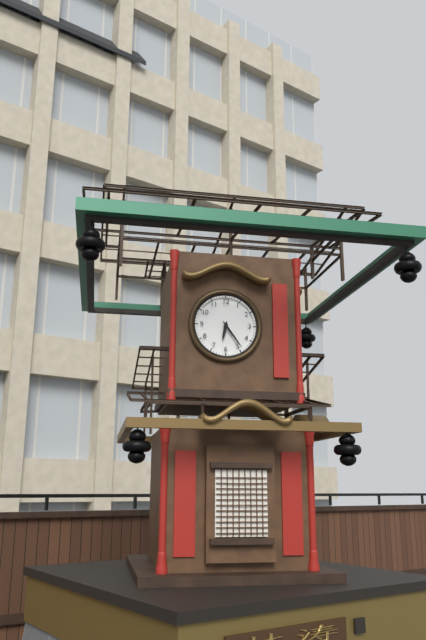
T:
6:24
